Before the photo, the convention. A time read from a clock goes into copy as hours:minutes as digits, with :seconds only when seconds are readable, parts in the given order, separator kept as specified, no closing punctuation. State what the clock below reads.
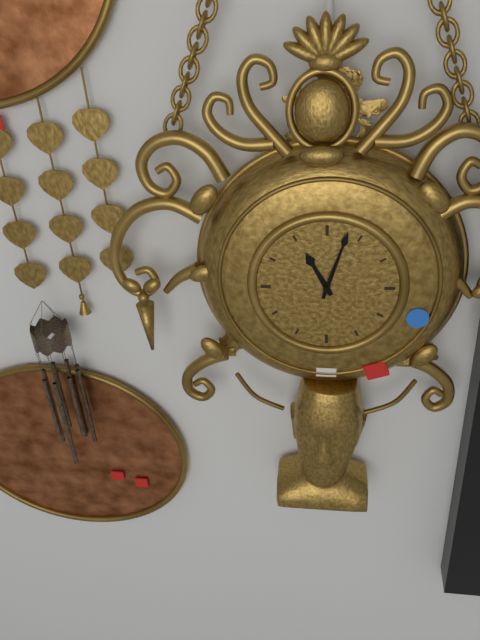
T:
11:03
